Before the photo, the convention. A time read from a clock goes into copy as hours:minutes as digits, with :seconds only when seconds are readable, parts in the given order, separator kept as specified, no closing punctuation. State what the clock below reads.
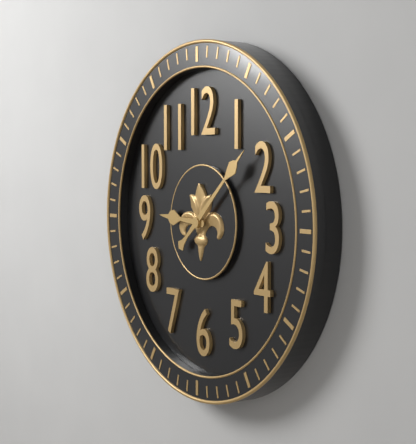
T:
9:08
